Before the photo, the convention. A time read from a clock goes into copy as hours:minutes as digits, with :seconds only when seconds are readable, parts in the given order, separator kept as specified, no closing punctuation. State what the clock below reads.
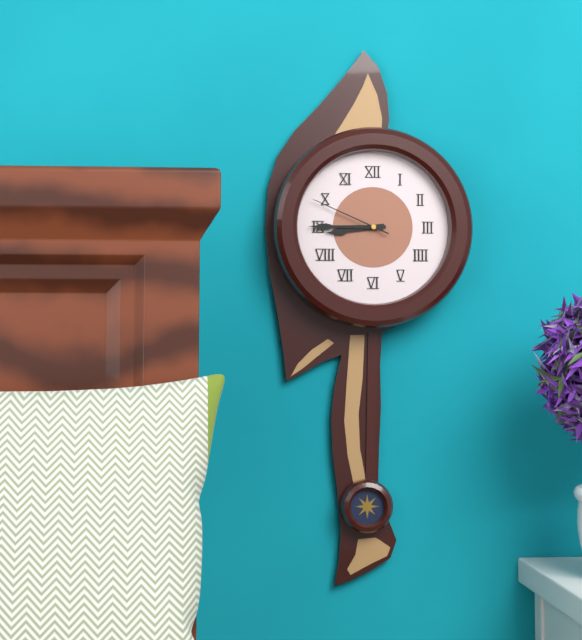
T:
8:45:49
